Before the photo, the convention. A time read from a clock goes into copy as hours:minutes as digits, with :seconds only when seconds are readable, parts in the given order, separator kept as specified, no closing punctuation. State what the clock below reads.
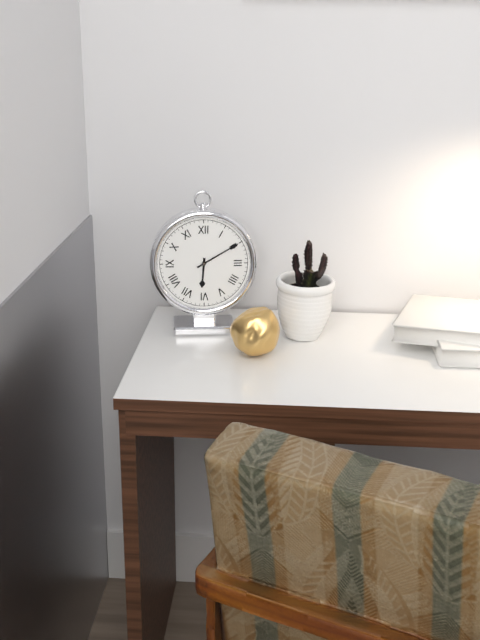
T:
6:10
